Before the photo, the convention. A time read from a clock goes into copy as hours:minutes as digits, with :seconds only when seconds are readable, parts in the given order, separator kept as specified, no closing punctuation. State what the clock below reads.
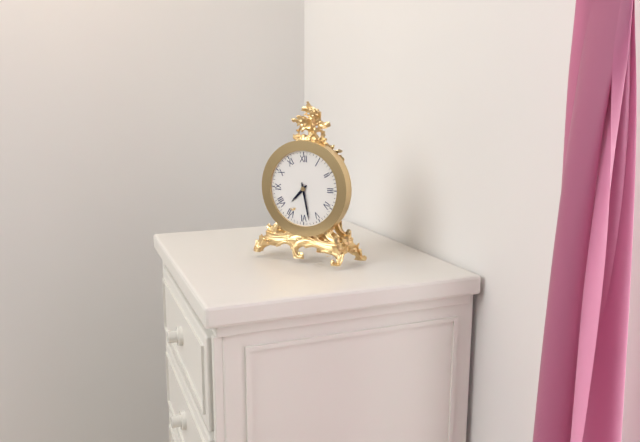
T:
7:28
